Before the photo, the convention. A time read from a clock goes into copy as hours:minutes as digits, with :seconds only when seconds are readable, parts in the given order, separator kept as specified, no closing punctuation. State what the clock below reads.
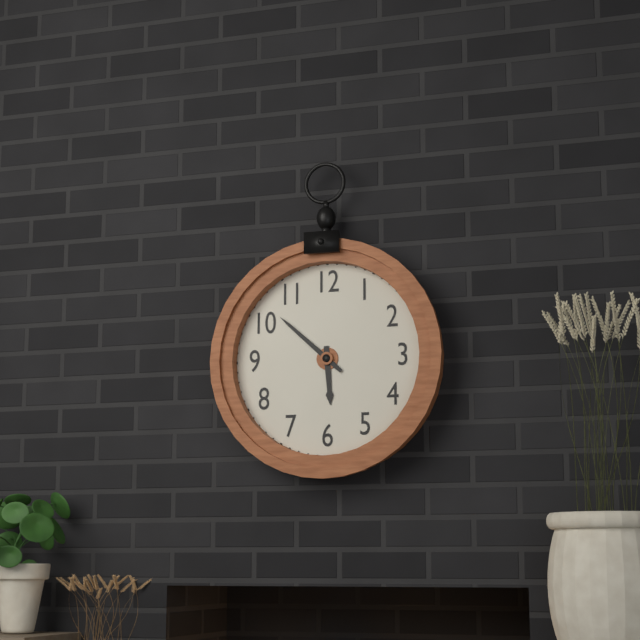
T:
5:52
